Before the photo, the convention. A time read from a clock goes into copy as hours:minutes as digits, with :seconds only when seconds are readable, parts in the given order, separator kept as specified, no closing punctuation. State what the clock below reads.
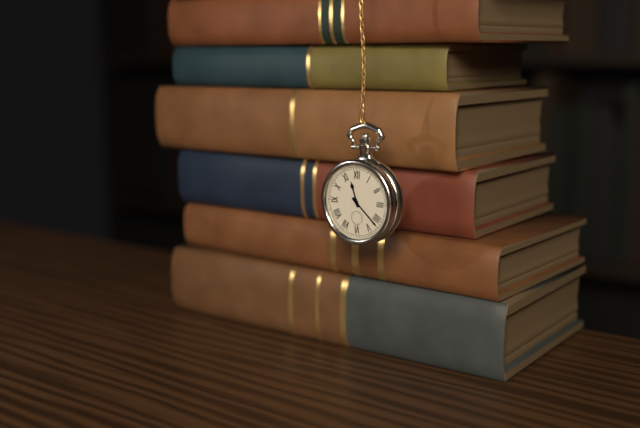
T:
11:22
